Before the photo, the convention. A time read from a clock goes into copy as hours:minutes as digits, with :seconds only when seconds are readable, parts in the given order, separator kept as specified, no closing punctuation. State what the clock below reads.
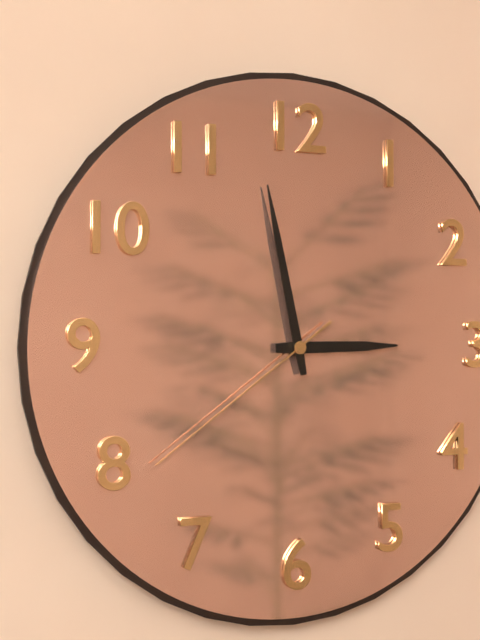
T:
2:58:39
